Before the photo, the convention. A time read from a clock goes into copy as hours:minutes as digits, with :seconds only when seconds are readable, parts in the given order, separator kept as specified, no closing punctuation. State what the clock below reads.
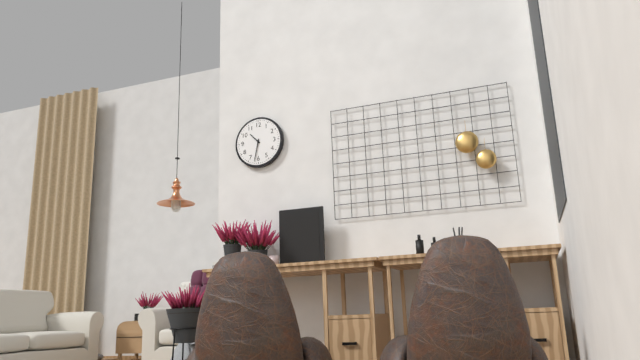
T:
10:32
